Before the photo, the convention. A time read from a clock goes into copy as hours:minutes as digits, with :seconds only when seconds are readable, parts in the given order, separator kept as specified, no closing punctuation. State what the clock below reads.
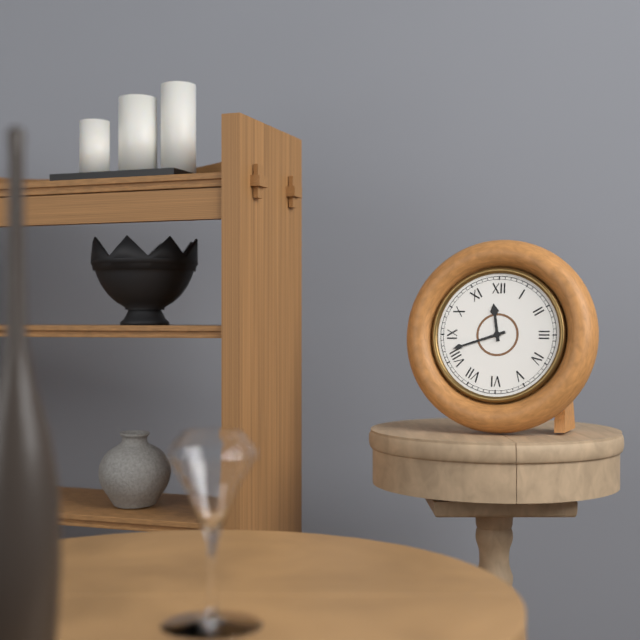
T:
11:42
